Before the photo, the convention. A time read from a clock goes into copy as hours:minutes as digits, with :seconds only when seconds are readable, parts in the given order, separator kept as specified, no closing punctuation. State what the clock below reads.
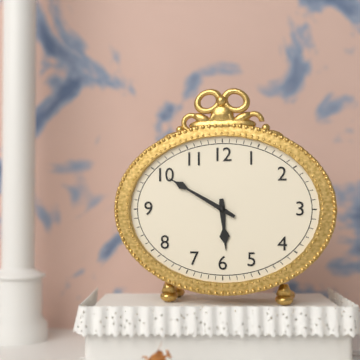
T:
5:50
